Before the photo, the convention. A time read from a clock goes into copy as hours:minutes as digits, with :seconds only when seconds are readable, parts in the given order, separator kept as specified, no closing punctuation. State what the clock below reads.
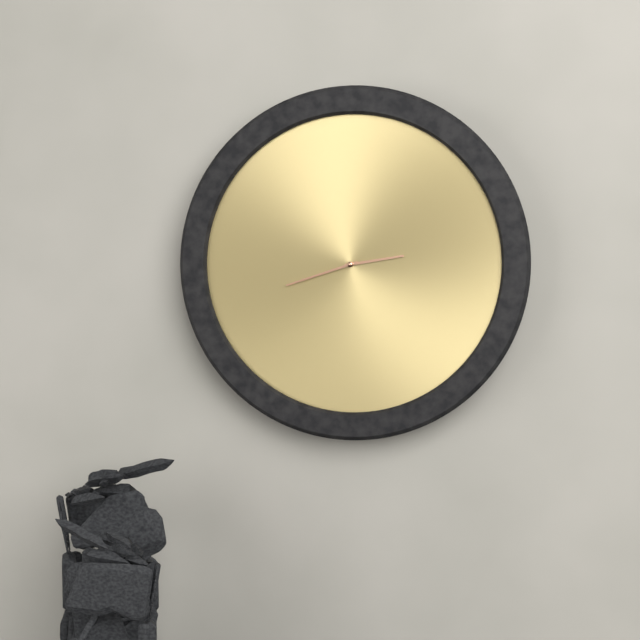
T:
2:42
